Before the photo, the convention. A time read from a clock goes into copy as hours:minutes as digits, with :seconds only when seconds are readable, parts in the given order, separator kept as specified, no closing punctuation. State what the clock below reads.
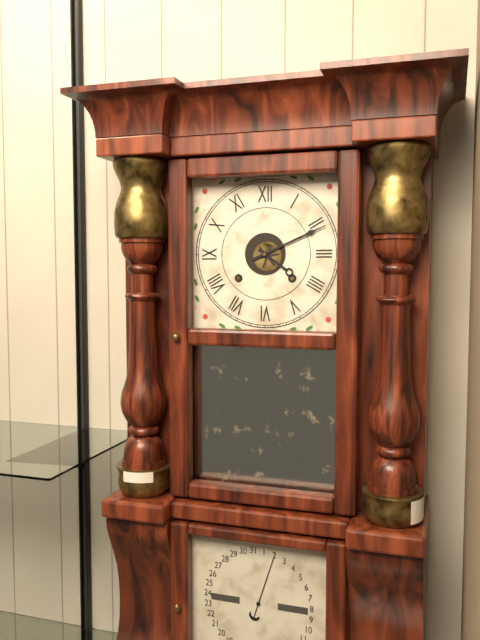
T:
4:11
